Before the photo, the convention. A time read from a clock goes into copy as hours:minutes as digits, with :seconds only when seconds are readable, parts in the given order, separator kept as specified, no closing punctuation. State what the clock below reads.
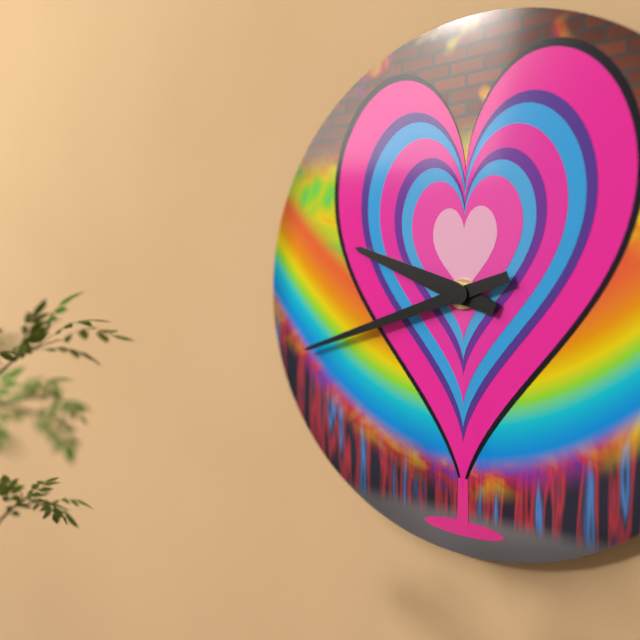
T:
9:42
